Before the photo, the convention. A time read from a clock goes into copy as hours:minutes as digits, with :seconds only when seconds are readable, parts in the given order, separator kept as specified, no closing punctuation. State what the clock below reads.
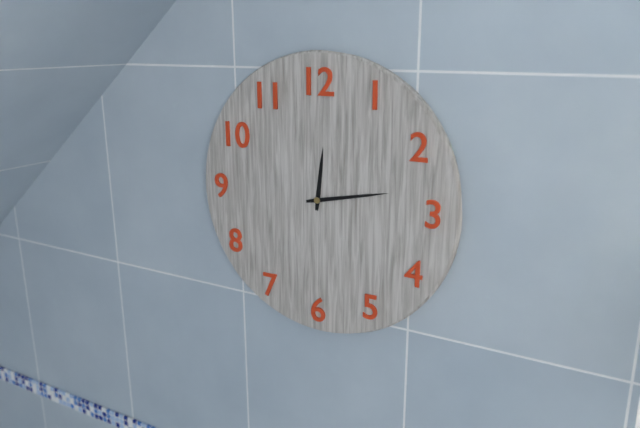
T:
12:13
